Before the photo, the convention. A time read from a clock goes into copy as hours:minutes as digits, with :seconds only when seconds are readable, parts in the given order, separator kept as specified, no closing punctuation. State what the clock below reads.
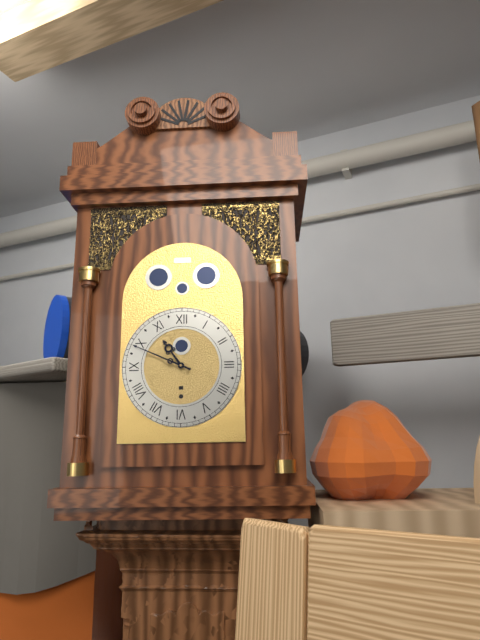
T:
10:49
